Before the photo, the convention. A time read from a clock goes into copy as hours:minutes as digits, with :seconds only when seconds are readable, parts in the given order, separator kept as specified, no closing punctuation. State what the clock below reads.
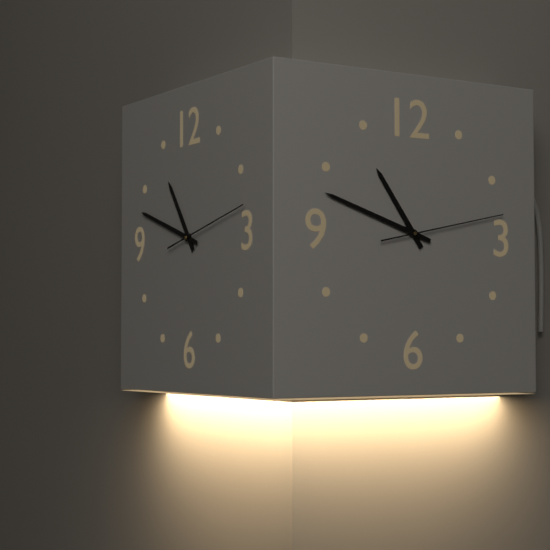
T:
10:48:13
